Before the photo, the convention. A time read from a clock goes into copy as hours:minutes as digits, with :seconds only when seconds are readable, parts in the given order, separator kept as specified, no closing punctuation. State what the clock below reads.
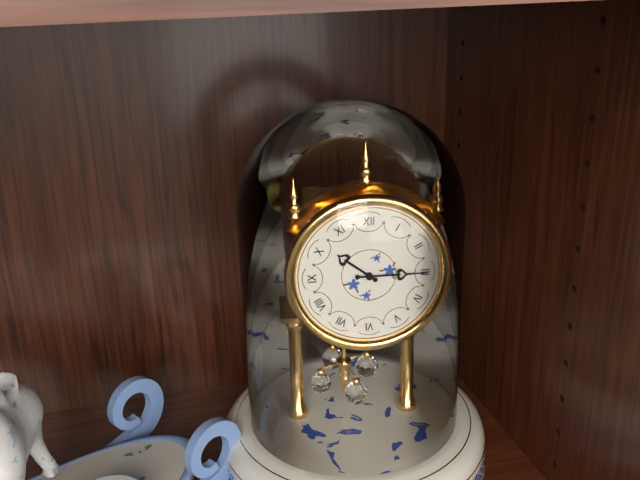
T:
10:15
